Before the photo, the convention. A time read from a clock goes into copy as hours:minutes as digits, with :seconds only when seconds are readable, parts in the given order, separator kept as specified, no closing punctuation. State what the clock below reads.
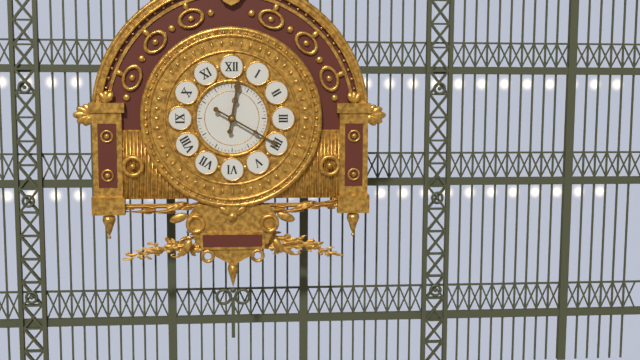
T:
12:20
